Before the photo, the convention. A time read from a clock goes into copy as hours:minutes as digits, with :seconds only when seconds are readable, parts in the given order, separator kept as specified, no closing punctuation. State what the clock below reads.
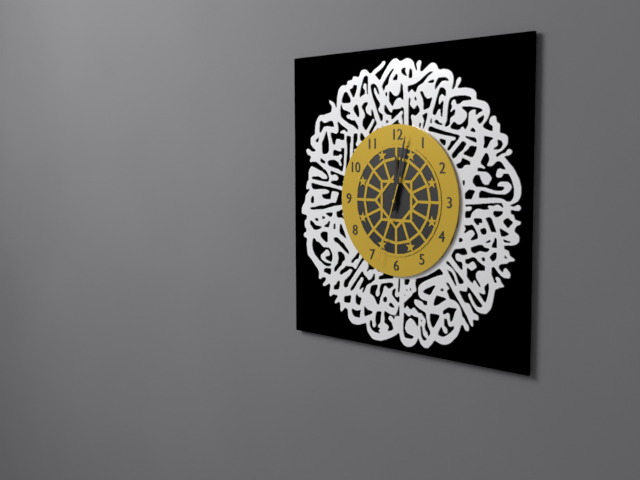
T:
12:02:33
